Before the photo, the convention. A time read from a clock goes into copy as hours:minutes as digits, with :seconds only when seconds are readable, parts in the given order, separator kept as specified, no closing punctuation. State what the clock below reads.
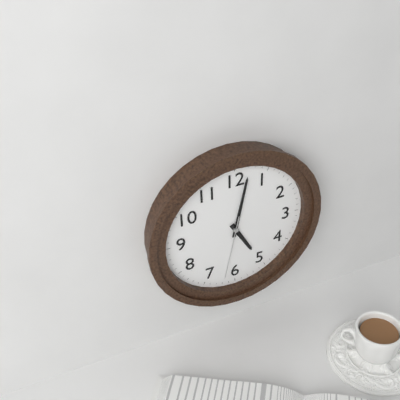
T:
5:02:32
